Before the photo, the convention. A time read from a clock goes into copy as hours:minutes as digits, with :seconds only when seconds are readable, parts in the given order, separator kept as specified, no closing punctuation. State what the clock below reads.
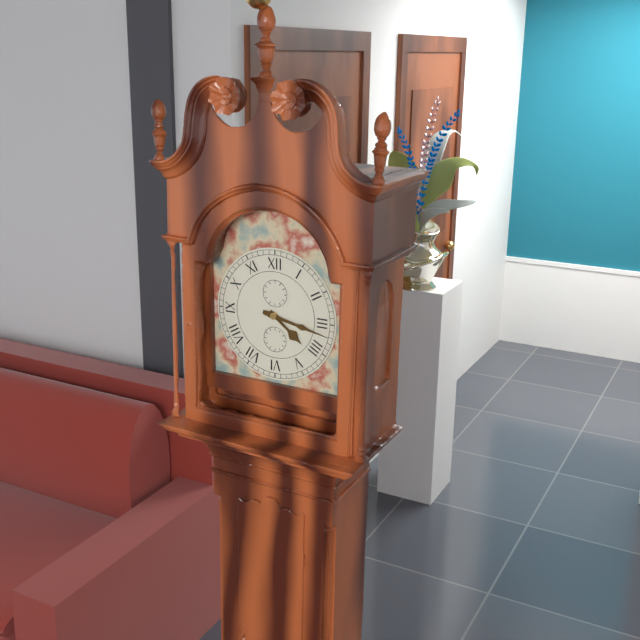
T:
4:17
